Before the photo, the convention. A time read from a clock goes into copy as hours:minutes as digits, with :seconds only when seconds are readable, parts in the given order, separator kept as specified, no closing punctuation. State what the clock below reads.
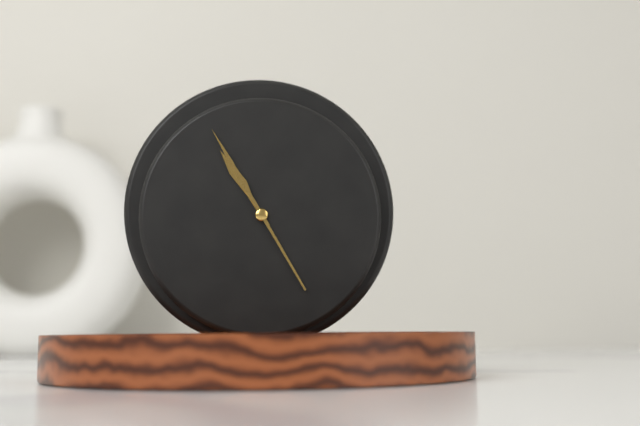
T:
10:55
